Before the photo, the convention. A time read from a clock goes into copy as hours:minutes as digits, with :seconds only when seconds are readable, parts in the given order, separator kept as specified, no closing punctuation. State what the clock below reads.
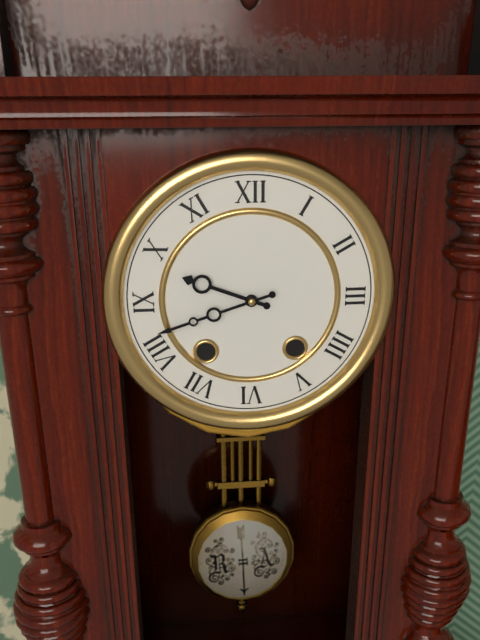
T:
9:42
